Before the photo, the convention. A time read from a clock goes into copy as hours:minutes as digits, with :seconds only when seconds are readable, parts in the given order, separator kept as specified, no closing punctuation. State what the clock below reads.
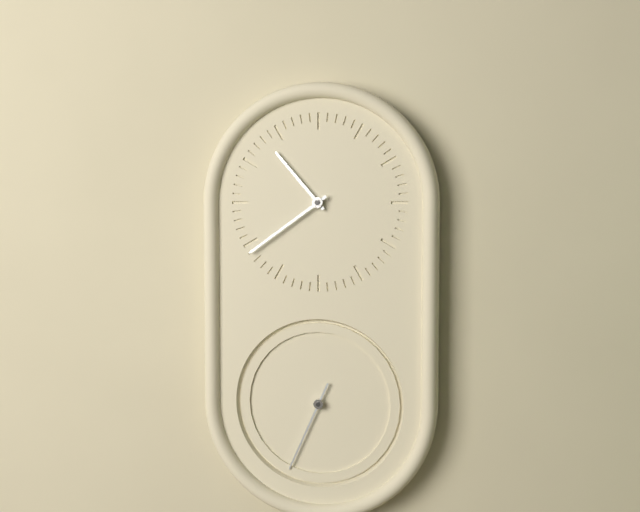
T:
10:39:34
